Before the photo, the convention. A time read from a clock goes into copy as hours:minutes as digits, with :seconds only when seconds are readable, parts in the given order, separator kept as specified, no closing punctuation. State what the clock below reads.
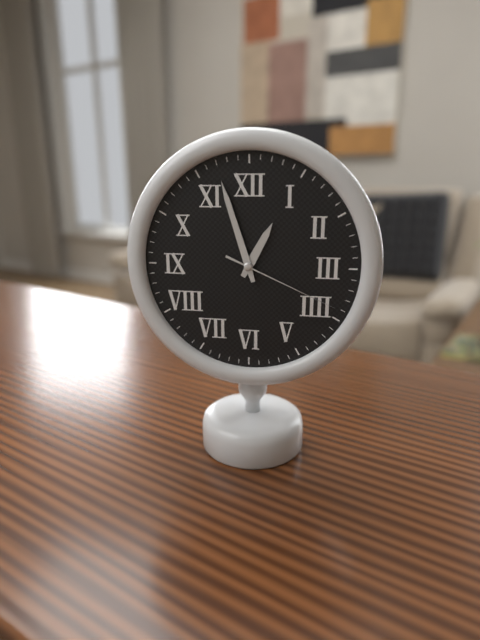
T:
12:57:19
